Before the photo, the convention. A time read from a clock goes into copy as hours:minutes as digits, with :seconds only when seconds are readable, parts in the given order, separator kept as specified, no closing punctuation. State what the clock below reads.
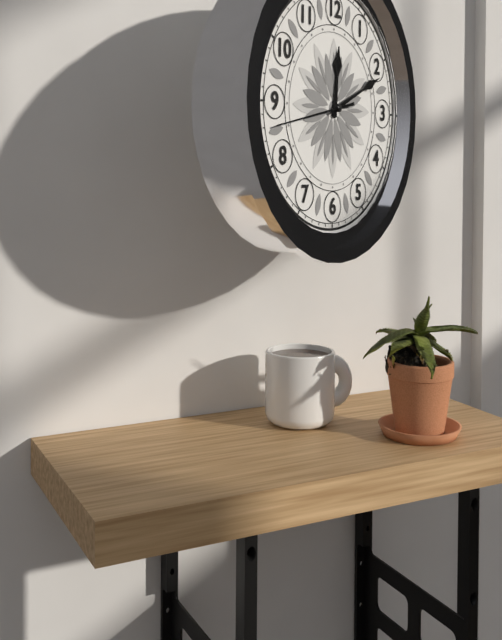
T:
12:11:43
